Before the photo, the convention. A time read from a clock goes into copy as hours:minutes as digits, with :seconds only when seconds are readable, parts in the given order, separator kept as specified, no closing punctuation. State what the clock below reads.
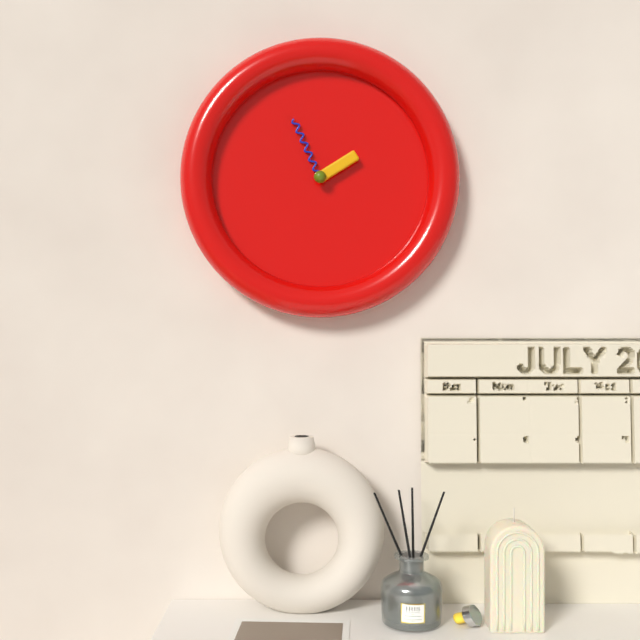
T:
1:56
